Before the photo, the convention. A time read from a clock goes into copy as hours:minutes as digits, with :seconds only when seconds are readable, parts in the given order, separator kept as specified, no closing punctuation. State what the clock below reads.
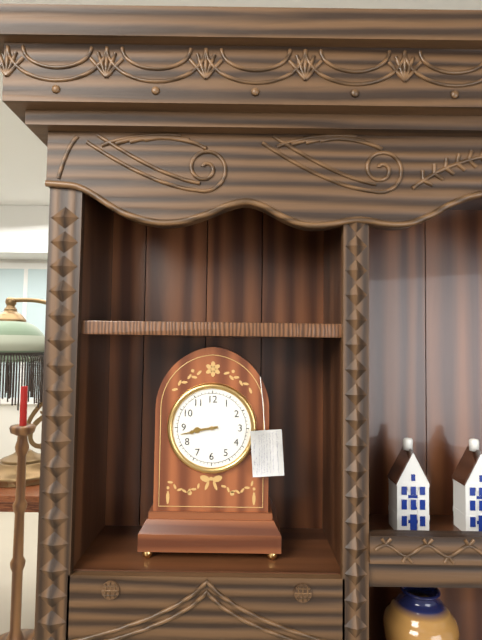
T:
8:43
